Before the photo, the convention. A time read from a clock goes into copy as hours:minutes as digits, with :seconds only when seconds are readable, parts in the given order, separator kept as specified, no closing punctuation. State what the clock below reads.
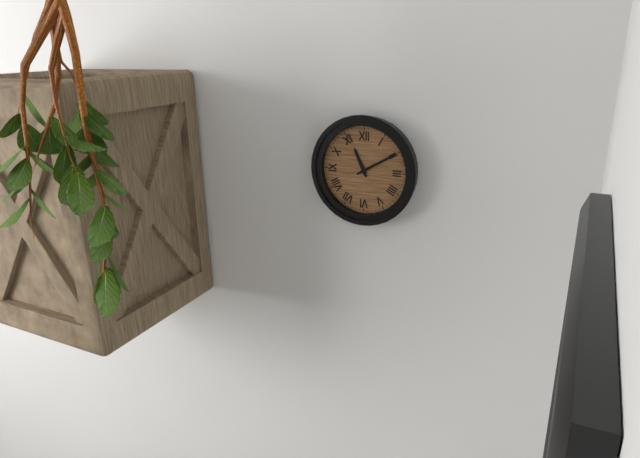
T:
11:10
